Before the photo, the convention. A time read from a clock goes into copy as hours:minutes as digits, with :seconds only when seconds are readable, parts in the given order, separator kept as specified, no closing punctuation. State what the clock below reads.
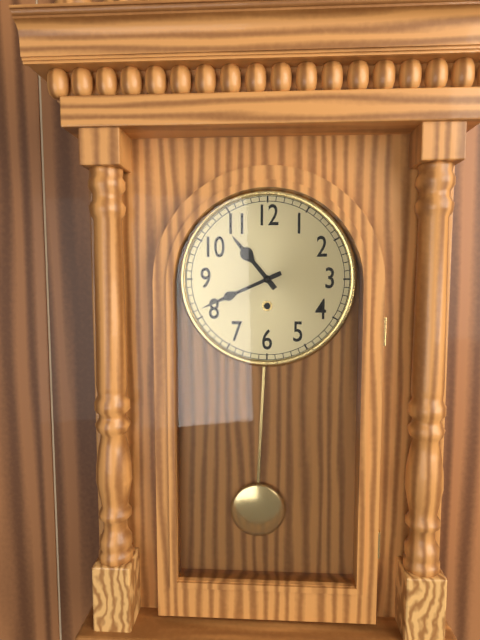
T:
10:41
